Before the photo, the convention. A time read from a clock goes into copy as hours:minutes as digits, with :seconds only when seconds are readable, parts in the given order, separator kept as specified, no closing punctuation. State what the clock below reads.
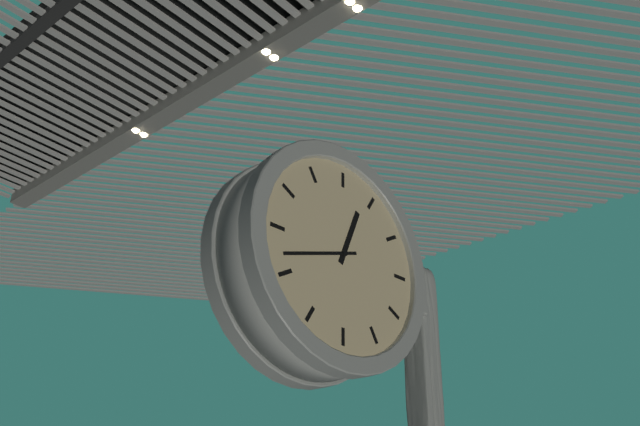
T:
12:42
